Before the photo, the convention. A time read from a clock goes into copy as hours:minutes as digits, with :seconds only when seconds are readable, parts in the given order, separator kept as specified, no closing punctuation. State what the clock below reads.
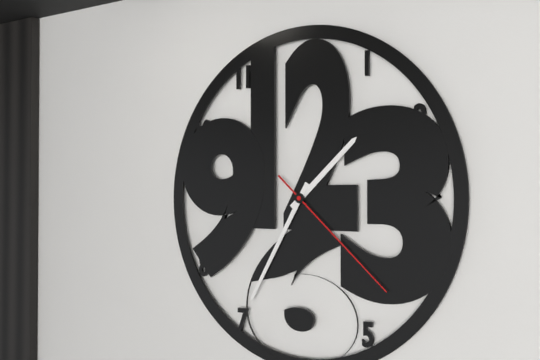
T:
1:35:22
